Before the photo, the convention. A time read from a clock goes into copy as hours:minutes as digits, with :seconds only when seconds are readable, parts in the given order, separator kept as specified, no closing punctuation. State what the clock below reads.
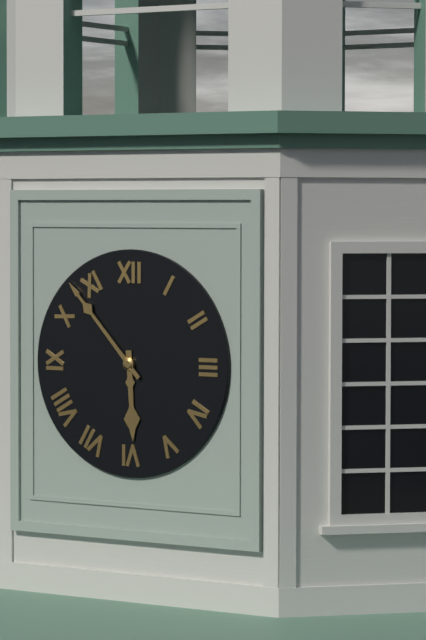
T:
5:53
